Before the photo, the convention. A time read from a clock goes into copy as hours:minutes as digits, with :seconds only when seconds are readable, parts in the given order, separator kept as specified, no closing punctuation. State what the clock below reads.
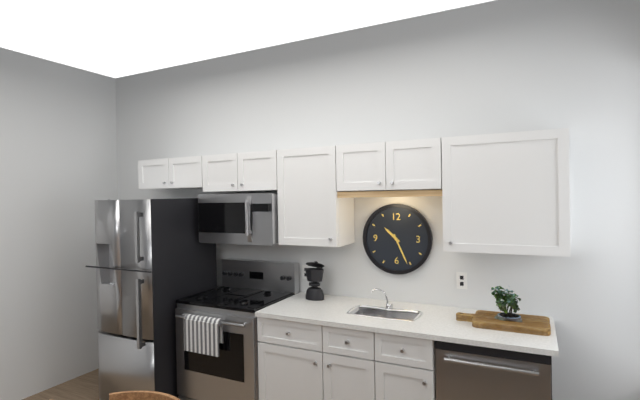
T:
10:26
